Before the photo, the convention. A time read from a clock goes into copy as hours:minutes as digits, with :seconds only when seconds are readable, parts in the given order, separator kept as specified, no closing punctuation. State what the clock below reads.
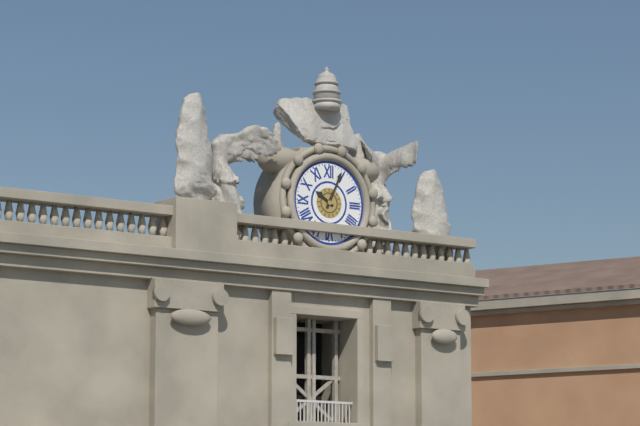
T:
10:04
